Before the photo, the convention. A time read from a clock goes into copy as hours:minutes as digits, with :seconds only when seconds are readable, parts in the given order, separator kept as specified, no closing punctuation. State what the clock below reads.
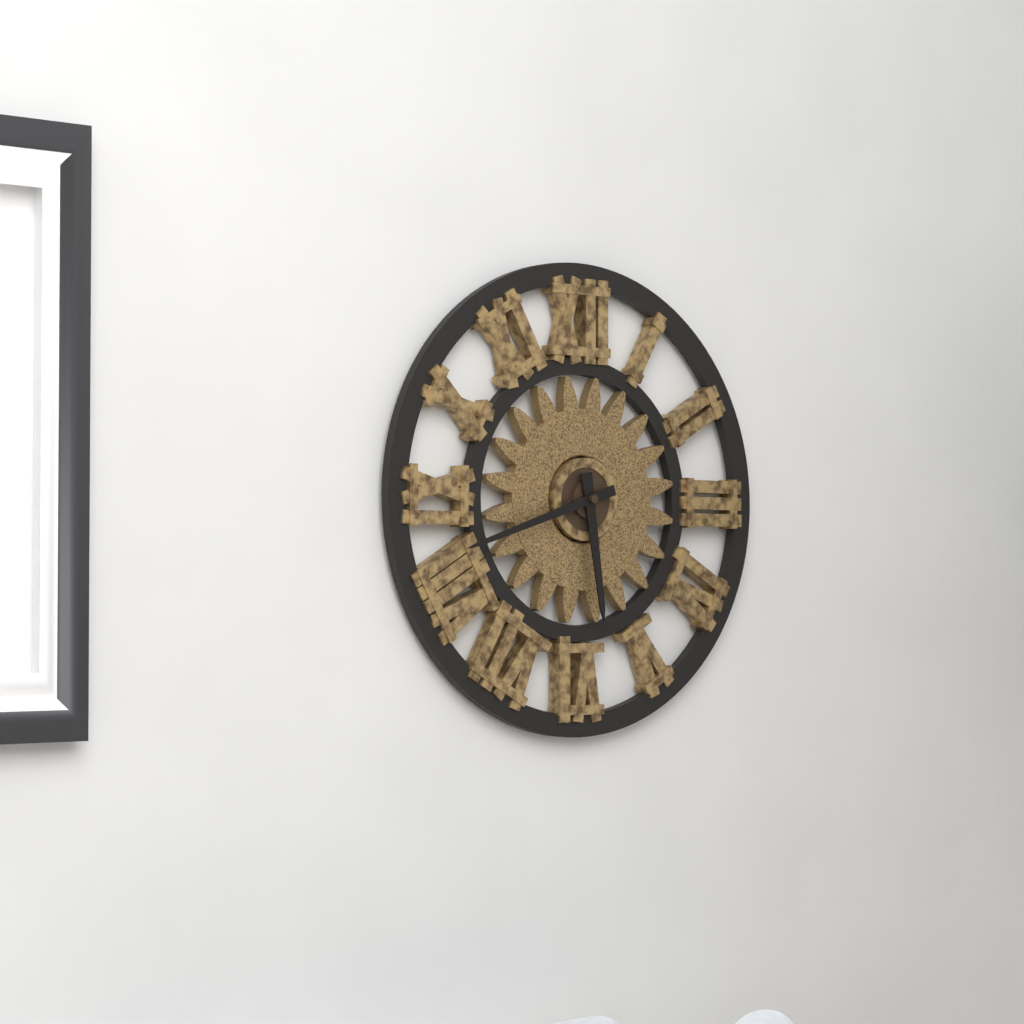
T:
5:42
